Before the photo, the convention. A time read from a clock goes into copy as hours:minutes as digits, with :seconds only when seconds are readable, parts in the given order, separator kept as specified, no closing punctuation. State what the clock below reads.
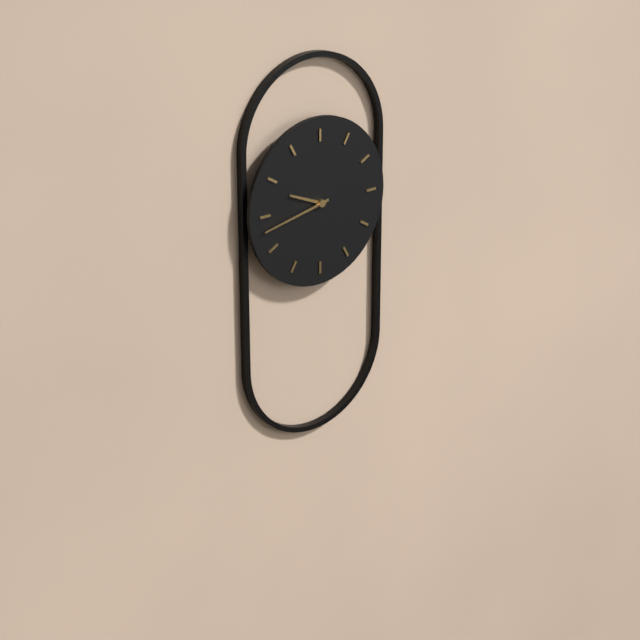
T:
9:43
